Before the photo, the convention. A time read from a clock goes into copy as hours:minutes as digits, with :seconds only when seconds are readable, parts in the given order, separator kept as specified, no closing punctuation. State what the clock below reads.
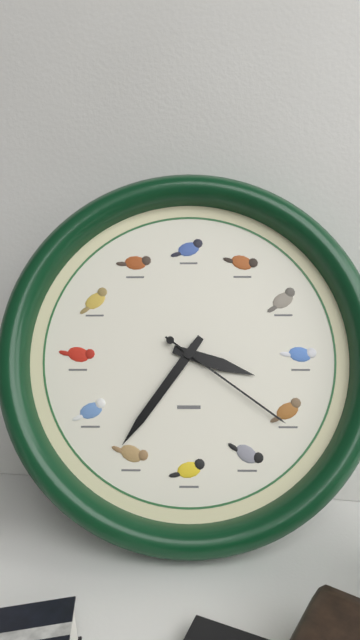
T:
3:36:21
